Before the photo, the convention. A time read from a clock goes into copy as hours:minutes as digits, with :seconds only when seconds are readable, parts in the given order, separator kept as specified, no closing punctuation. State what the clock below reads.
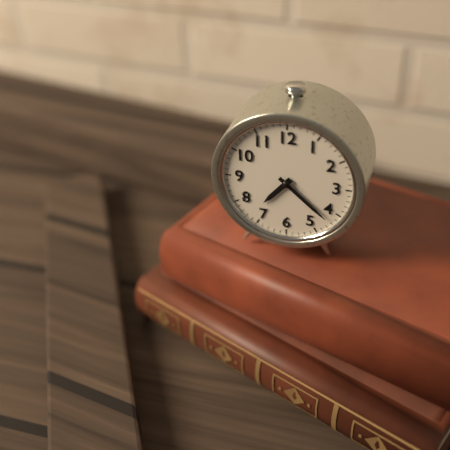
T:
7:22
